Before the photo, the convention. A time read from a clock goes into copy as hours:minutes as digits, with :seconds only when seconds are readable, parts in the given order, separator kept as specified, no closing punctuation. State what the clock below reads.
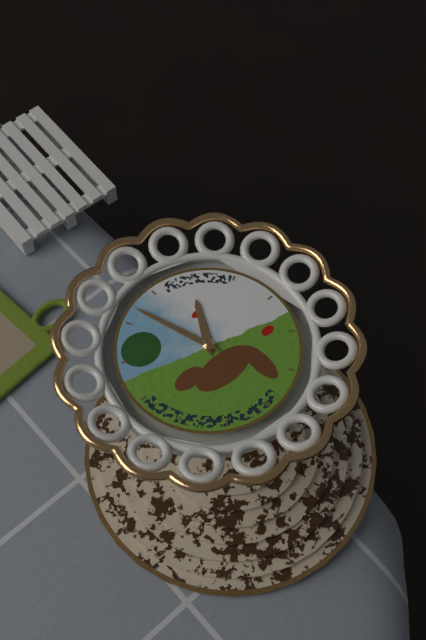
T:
12:57
